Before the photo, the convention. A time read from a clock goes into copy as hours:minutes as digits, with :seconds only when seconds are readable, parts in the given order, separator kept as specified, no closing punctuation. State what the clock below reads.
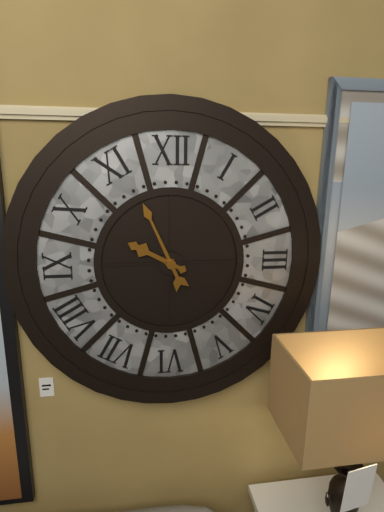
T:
9:56
